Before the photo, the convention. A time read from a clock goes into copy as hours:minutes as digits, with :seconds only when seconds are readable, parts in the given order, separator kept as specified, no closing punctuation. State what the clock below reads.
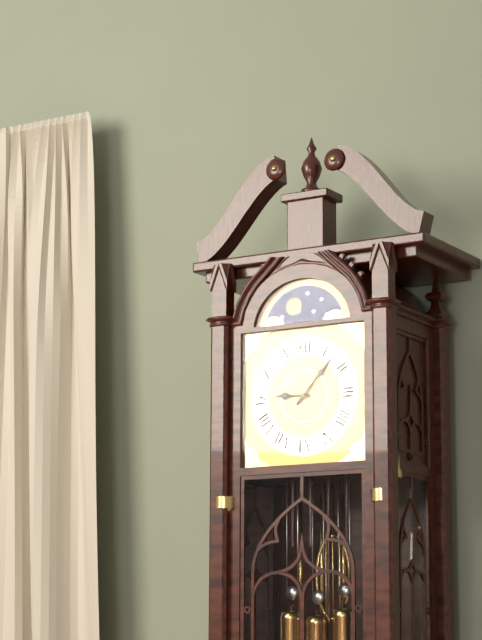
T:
9:07
